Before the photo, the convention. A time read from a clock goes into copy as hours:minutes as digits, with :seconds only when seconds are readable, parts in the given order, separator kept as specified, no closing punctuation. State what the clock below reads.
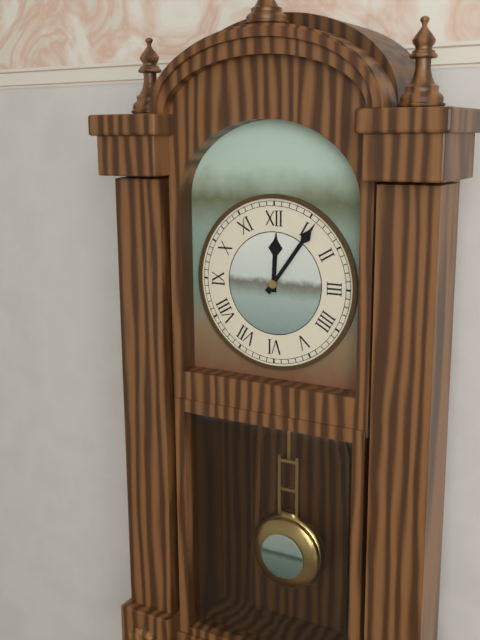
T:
12:06
